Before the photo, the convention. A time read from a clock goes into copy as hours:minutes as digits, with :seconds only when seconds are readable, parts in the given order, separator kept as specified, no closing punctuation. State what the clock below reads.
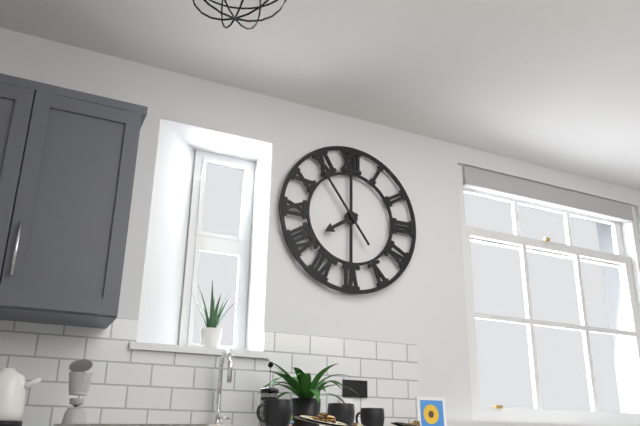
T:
7:54
